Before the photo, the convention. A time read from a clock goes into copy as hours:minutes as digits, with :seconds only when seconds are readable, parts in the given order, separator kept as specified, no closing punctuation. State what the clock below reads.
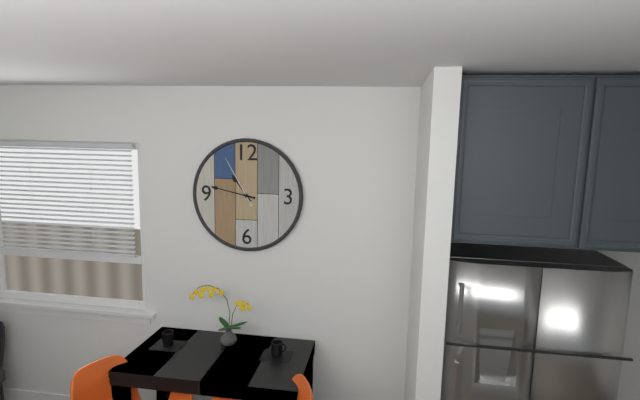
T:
10:47:55
